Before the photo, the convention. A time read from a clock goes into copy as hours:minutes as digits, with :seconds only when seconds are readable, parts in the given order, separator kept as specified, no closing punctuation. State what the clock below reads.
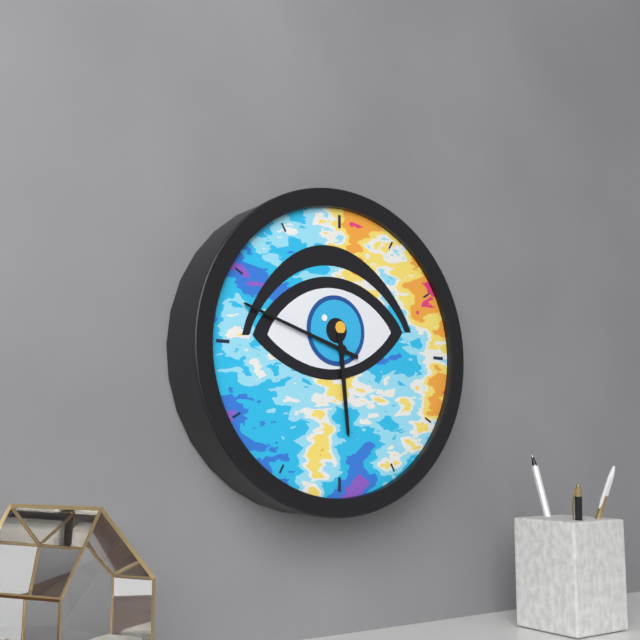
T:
5:48
